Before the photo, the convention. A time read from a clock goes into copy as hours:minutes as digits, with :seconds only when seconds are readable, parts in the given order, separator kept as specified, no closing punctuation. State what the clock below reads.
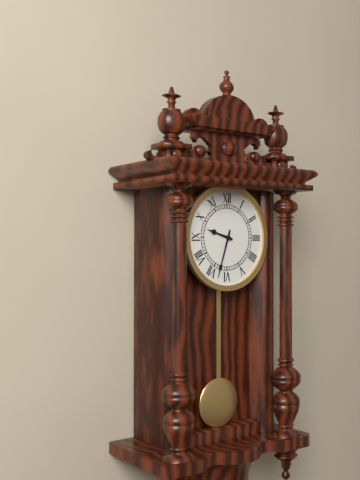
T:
9:33
